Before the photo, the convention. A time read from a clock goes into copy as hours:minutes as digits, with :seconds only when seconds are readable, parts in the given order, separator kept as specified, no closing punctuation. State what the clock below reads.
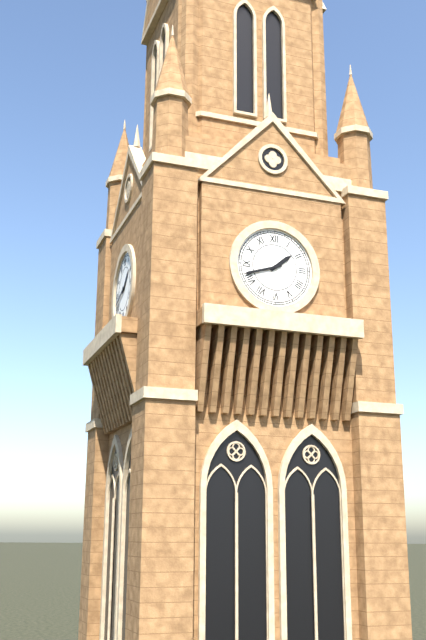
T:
1:42
